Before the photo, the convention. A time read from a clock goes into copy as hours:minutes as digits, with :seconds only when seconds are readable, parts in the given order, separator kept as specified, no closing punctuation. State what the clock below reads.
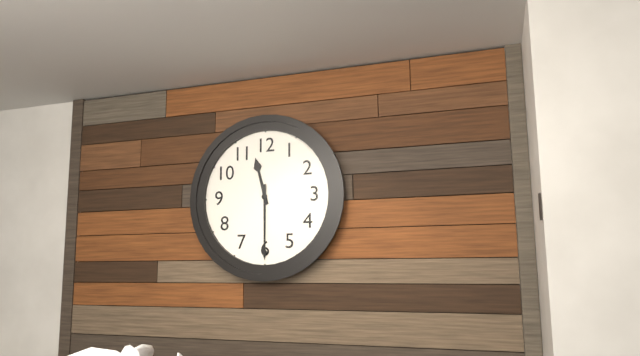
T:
11:30
